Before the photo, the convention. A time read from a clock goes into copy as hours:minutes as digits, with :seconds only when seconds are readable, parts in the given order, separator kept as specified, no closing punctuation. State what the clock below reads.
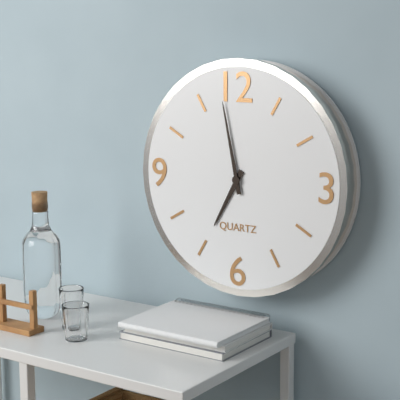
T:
6:58
